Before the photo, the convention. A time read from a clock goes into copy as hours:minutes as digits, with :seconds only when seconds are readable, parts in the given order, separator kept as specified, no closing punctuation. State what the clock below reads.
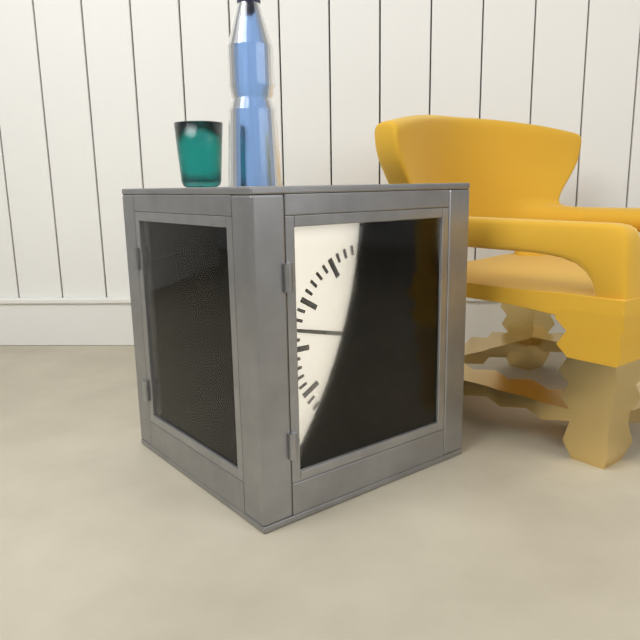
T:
3:47
